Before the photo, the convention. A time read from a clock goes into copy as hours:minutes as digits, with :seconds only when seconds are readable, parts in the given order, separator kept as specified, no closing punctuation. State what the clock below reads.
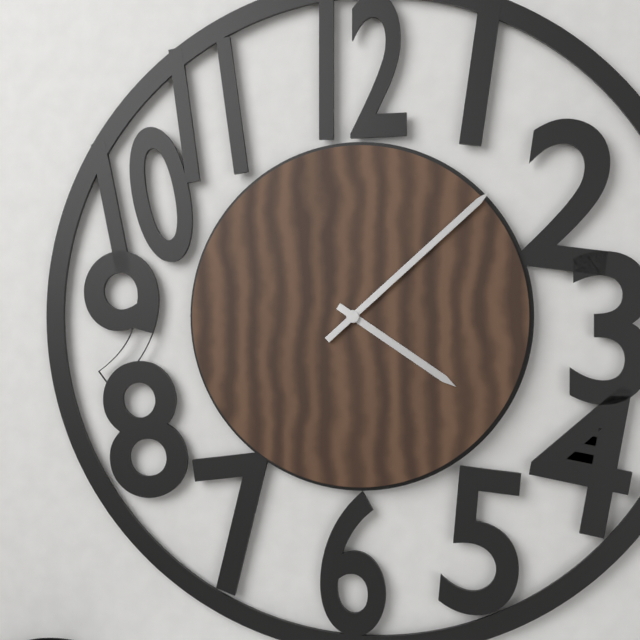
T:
4:08
